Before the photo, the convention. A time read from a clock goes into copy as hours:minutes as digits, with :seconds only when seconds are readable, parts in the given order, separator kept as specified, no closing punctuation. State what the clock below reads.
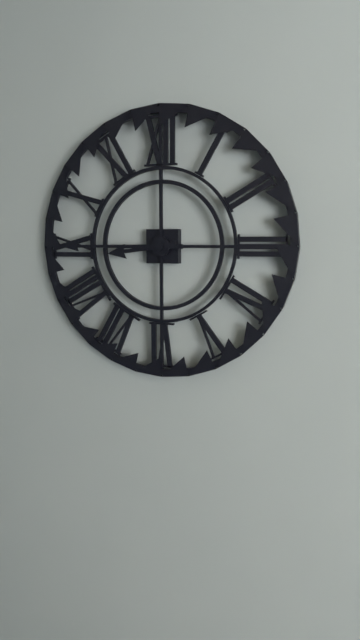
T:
8:45
